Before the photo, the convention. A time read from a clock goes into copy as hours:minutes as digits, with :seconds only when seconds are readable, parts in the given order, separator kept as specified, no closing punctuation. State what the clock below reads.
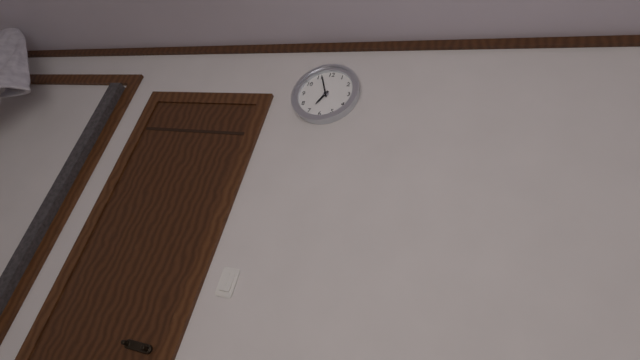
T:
6:56
